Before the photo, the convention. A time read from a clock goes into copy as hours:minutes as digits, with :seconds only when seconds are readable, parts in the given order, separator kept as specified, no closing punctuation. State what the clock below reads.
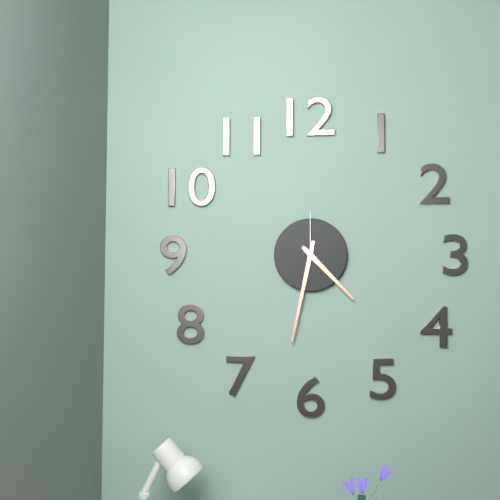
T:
4:32:00
